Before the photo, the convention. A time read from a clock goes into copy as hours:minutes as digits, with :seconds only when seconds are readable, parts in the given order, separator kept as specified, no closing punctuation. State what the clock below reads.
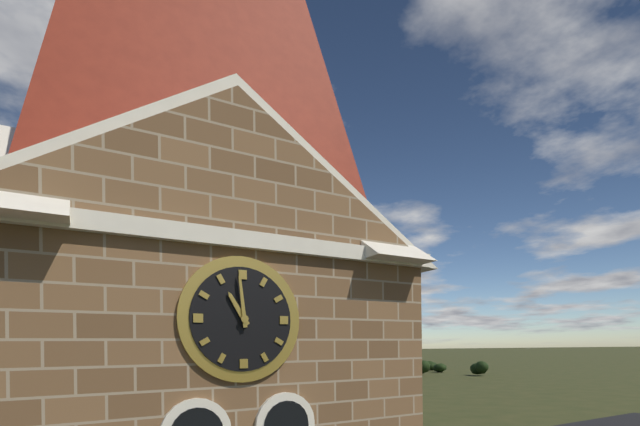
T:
10:59
